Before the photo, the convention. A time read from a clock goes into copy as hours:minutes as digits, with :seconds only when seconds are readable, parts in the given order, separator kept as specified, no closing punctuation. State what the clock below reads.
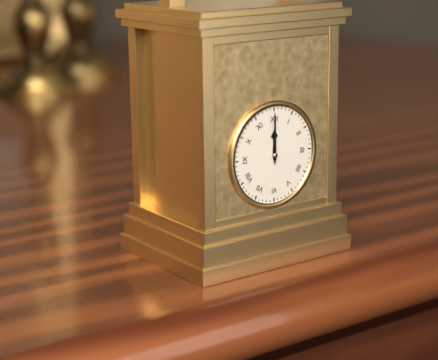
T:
12:00
